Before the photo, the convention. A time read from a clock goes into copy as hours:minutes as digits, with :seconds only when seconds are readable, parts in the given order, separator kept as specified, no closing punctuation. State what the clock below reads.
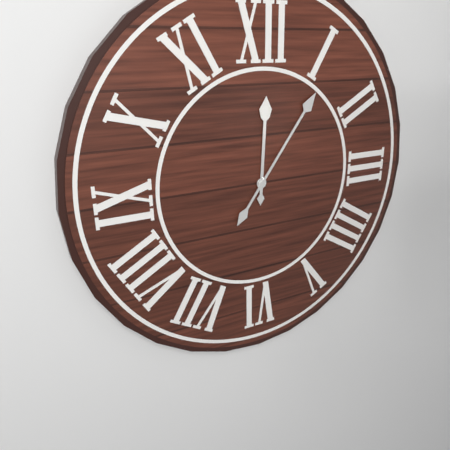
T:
12:06
